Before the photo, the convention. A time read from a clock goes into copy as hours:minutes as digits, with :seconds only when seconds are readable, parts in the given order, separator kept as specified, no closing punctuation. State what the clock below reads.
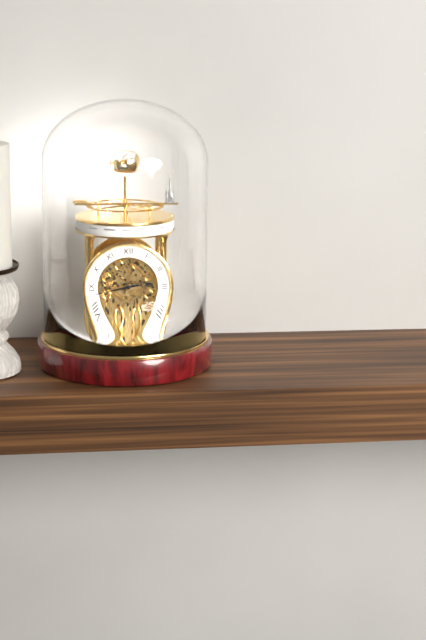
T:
2:43
